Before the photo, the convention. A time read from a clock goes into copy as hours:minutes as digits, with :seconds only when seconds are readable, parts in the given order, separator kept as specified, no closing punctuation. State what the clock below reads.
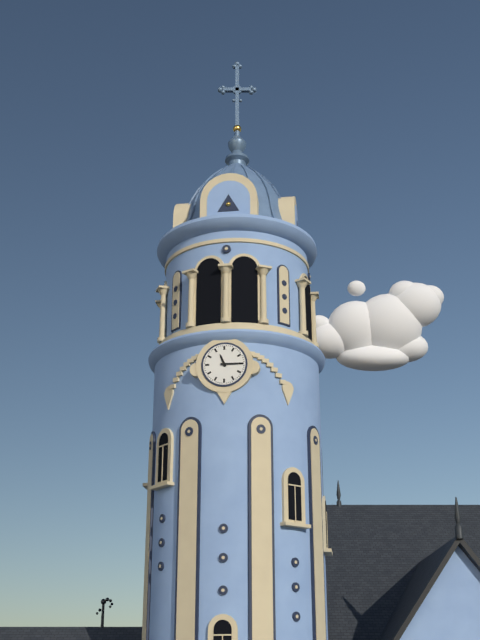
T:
11:15
